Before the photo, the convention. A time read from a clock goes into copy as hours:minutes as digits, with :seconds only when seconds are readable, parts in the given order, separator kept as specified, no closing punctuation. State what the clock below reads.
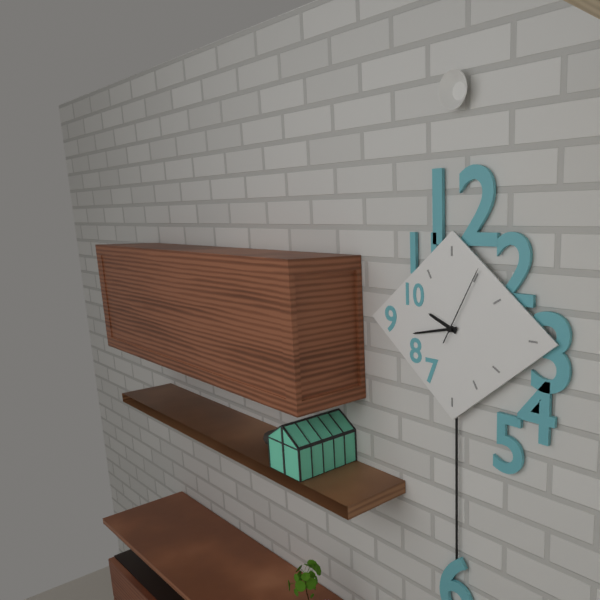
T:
9:43:05
